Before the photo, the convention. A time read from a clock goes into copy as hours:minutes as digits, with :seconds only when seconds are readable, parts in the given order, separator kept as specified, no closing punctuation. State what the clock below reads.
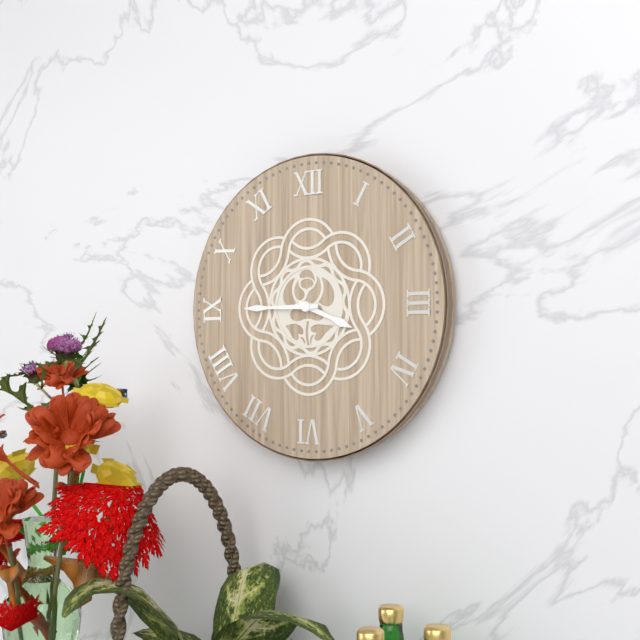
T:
3:45
